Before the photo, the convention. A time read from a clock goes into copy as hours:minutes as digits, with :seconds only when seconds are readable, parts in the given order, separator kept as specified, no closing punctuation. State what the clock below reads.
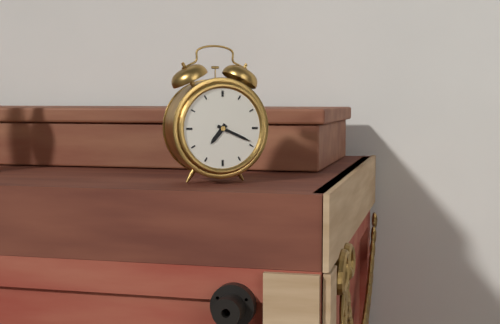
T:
7:19
